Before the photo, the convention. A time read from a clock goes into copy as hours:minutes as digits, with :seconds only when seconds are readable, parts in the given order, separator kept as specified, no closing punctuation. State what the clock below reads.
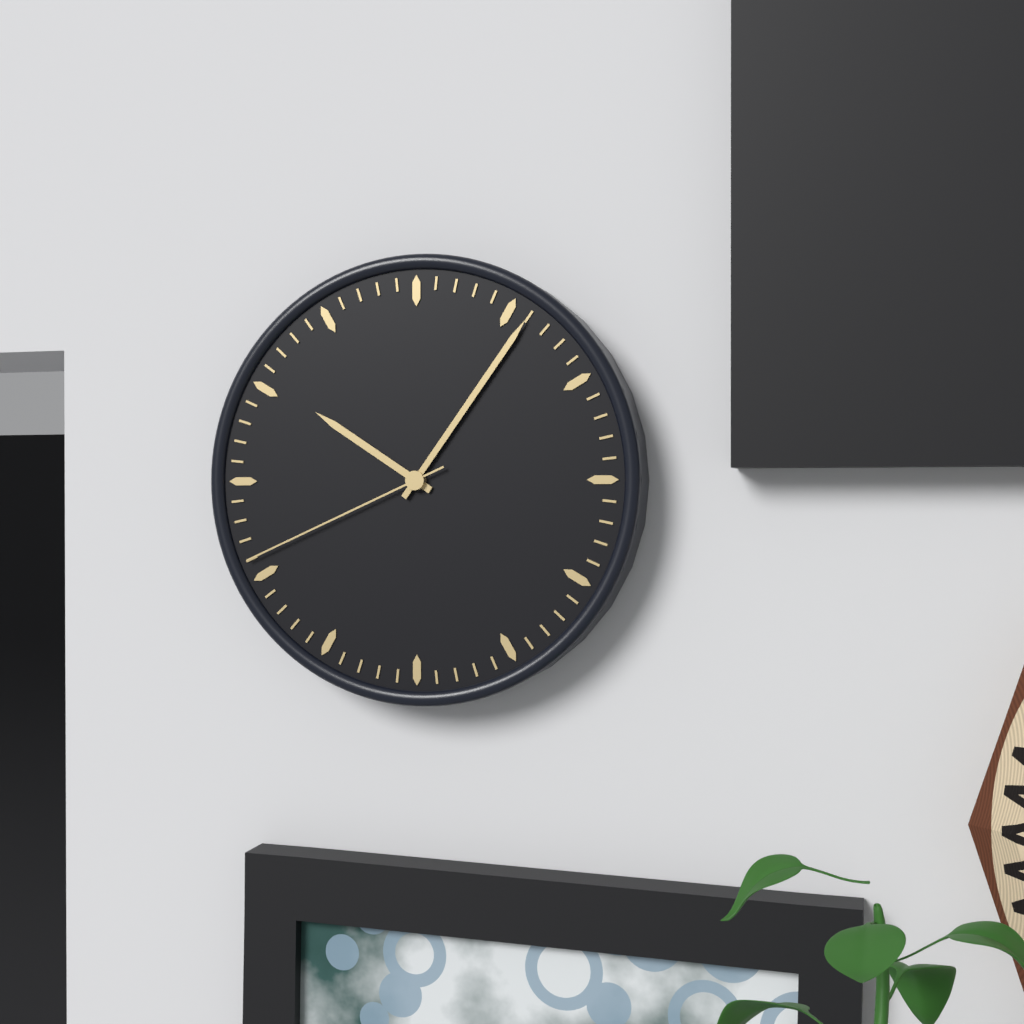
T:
10:06:41
